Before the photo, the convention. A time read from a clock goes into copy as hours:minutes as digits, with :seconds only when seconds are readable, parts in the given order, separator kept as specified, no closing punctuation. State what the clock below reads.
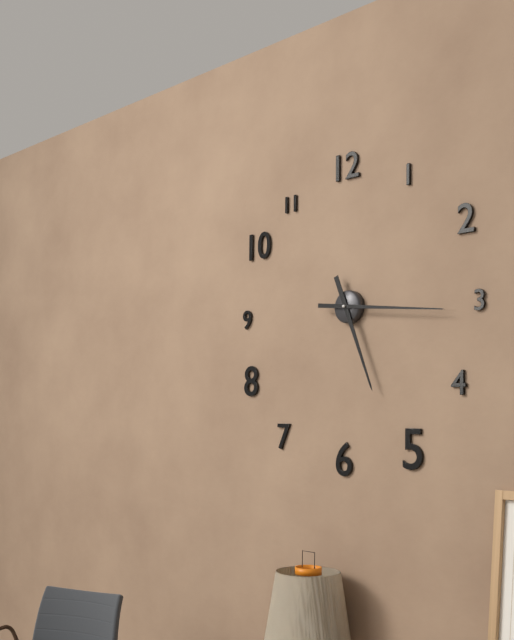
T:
5:16
